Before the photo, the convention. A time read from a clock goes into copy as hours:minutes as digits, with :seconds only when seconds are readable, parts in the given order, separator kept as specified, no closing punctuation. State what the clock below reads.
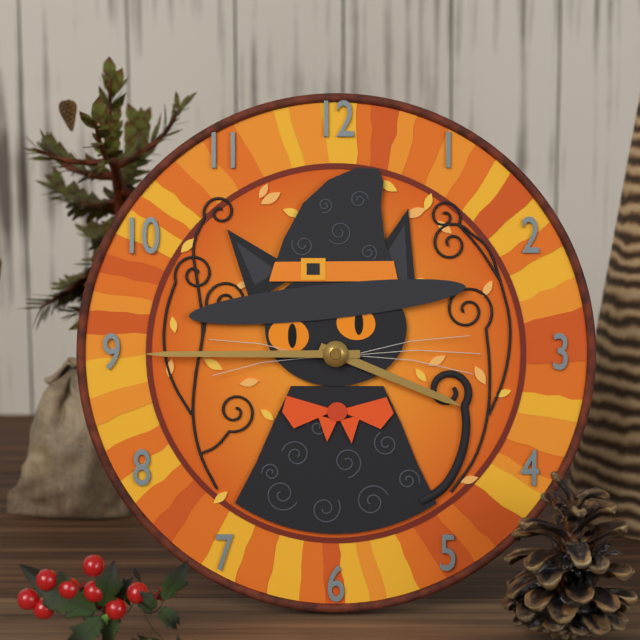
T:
3:45
